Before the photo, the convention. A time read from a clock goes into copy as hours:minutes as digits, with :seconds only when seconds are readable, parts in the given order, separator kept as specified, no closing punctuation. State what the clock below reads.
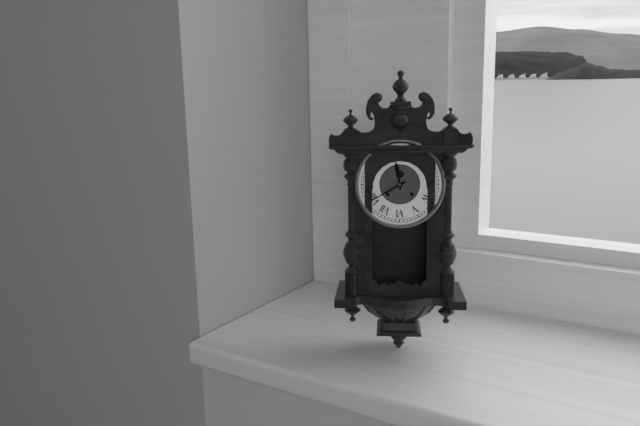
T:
11:40
